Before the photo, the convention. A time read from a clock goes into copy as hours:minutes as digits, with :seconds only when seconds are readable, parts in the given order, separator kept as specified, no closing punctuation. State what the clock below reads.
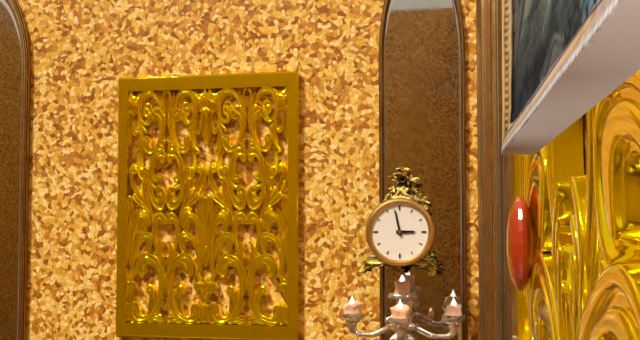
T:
2:58
